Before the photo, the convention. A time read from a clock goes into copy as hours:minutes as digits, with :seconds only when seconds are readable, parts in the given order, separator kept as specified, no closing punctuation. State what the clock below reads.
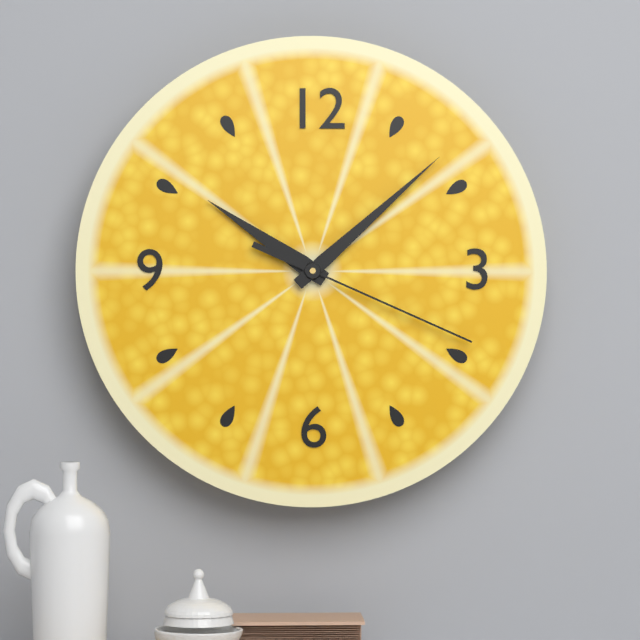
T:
10:08:19
